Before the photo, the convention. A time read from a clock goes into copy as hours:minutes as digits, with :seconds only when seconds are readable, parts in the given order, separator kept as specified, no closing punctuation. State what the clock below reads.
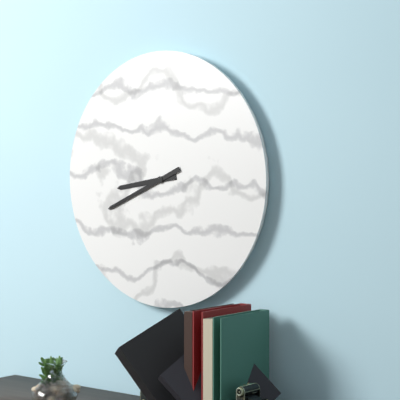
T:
8:41
